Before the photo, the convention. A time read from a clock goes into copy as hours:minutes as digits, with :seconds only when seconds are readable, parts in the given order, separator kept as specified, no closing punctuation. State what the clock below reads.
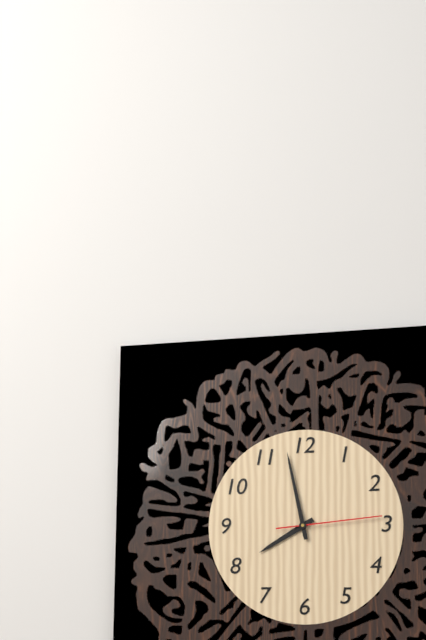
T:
7:58:14
